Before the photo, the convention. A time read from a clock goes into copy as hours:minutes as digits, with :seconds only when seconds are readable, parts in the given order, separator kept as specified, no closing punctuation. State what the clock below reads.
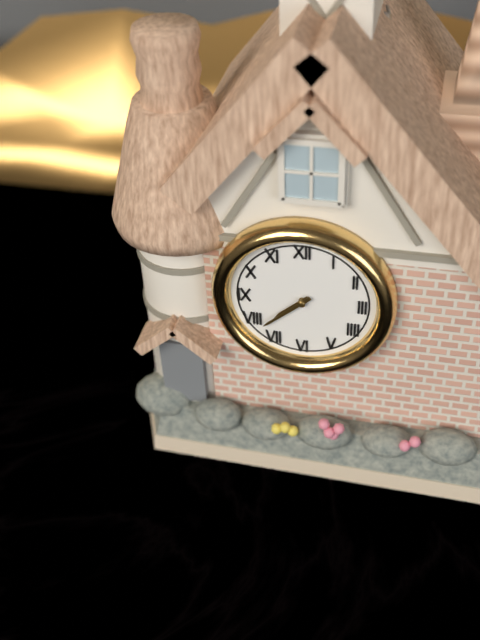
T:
7:38
